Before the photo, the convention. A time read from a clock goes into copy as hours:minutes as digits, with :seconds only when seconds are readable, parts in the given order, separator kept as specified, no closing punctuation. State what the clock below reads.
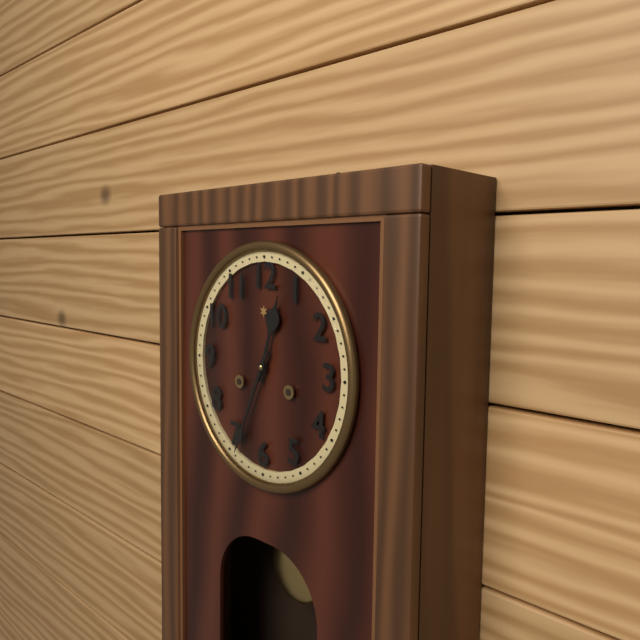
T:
12:34
